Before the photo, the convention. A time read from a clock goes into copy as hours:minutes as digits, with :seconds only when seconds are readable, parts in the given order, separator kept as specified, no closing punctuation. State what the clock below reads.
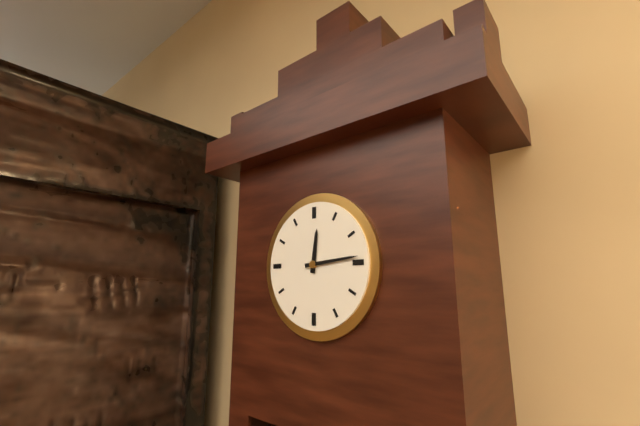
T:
12:14
